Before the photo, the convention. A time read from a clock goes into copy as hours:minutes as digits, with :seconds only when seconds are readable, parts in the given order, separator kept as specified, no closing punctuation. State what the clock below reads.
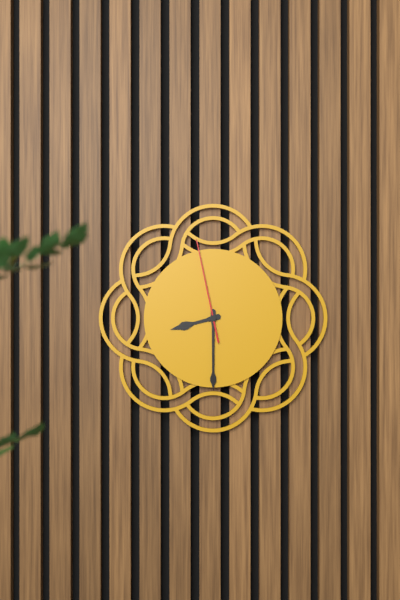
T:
8:30:58
